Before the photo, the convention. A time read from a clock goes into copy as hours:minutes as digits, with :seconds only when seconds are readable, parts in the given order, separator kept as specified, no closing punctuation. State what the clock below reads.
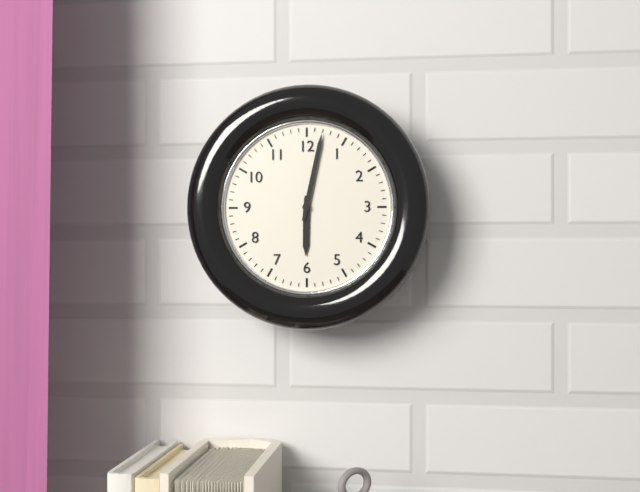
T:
6:02
